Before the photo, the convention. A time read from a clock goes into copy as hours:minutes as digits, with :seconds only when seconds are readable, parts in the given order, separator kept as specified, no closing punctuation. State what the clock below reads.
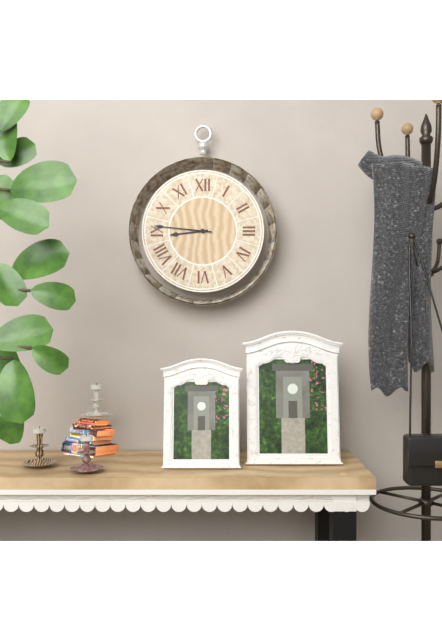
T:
8:46
